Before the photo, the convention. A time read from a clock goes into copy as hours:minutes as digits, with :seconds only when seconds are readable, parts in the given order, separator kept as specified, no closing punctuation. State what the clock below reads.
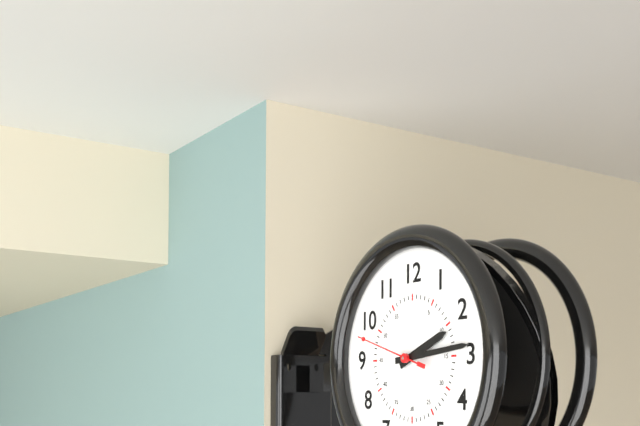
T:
2:14:48
